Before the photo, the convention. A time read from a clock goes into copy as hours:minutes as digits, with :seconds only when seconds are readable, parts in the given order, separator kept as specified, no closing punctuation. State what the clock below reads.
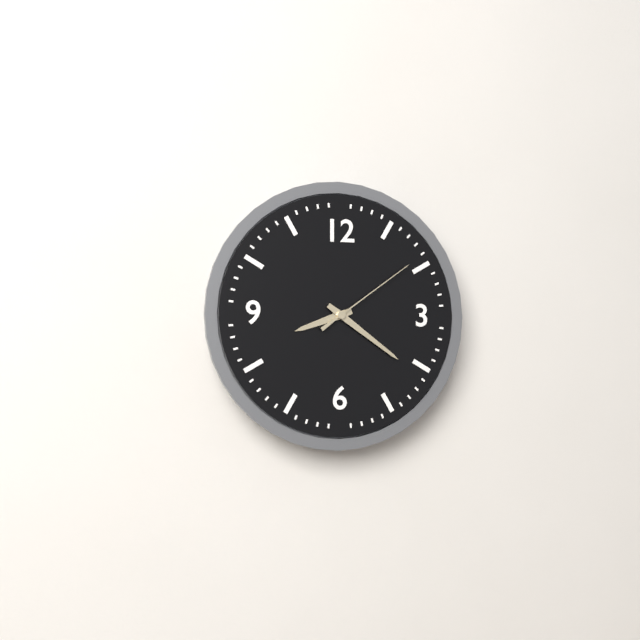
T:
8:21:09
